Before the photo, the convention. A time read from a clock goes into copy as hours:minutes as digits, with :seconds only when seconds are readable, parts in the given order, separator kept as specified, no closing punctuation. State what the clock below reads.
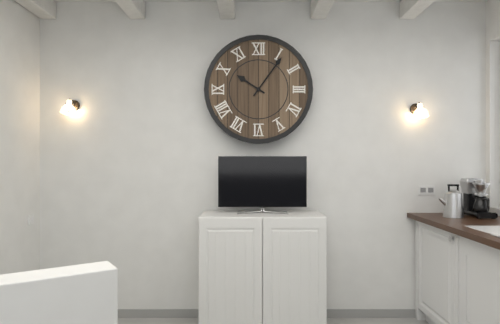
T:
10:06
